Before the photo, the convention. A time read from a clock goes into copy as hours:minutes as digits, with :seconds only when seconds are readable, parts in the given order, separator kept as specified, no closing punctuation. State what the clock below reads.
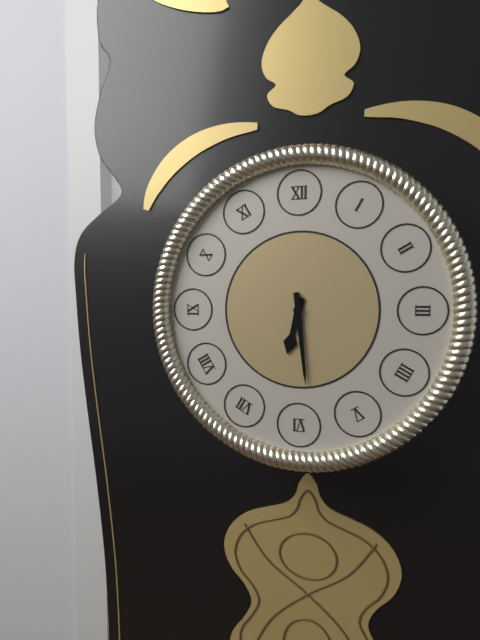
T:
6:29
